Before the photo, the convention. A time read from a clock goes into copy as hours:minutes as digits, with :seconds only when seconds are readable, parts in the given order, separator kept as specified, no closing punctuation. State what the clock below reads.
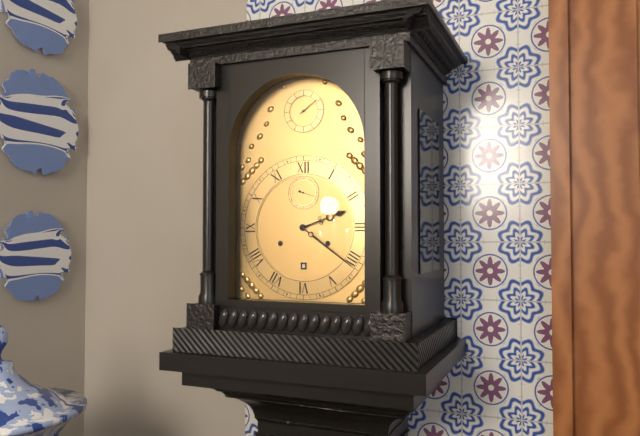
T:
2:21
